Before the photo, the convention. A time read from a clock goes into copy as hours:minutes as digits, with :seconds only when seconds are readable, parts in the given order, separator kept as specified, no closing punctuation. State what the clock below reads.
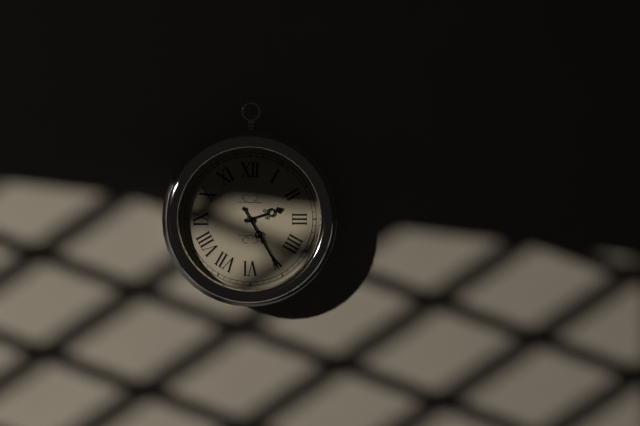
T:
2:25
